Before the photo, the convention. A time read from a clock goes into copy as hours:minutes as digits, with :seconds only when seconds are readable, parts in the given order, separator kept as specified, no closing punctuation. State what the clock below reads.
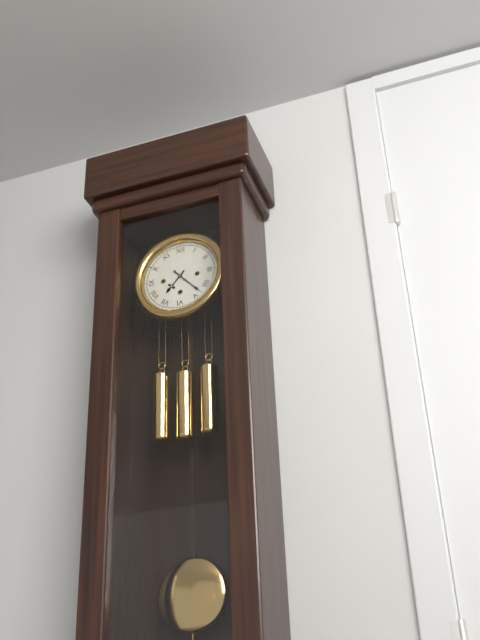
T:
7:23
